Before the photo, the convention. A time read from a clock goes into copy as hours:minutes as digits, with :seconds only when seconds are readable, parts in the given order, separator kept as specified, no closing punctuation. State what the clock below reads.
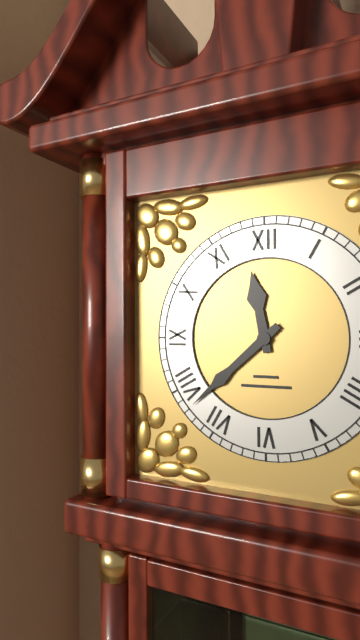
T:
11:38
